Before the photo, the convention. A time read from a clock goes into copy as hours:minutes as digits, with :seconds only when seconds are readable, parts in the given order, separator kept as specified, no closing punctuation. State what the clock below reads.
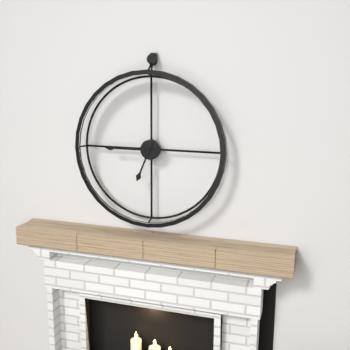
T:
6:45
